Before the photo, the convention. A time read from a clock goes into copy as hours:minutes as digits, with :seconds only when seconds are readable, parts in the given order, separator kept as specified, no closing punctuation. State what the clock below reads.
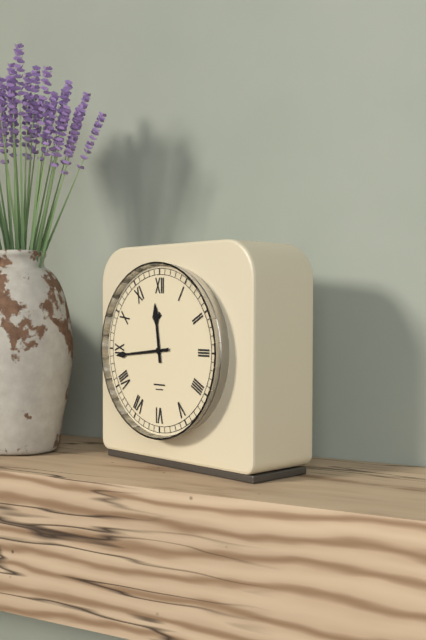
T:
11:44
